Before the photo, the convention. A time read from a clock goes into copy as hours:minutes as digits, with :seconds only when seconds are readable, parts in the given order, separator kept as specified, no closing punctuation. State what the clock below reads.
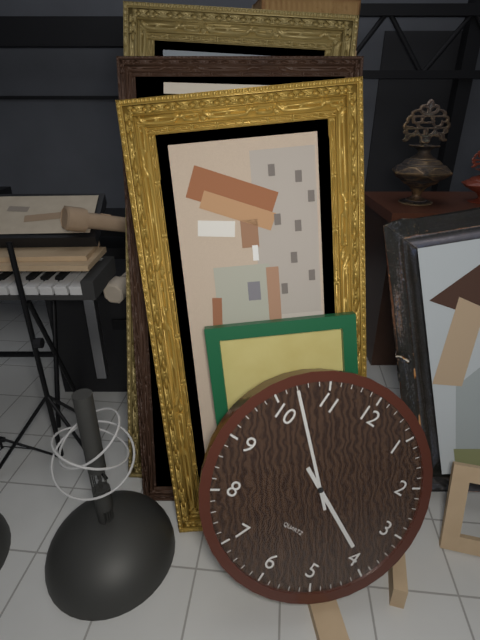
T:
3:52
